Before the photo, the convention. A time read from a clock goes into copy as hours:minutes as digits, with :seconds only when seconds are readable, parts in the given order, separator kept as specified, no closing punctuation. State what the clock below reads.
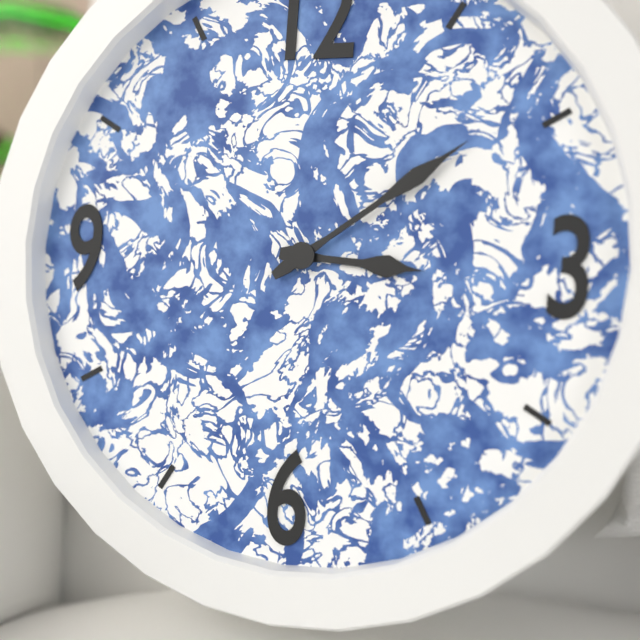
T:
3:09
